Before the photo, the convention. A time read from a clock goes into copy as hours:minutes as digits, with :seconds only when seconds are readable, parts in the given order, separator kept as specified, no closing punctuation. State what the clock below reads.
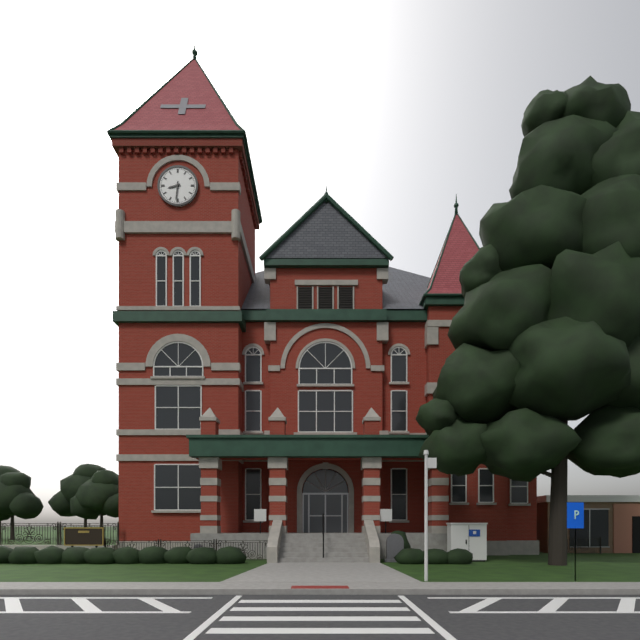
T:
8:31
